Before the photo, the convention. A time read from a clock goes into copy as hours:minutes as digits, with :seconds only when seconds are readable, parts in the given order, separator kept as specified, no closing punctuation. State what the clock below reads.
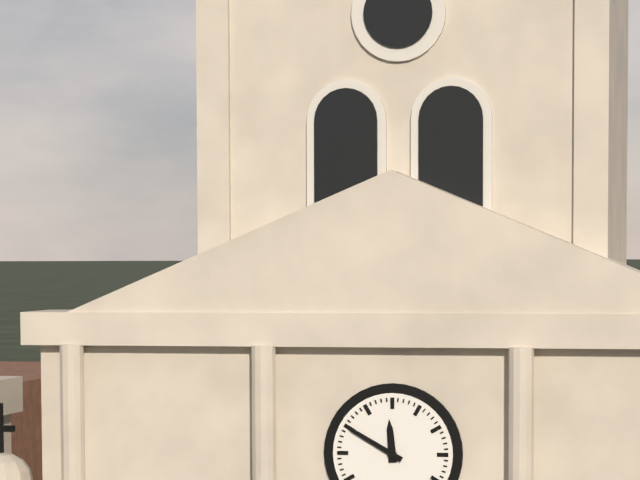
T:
11:50
